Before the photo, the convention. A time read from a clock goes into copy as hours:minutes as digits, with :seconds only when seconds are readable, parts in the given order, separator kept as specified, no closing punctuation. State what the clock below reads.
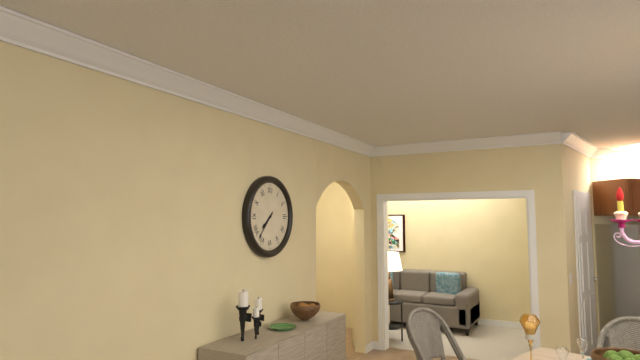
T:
7:37
